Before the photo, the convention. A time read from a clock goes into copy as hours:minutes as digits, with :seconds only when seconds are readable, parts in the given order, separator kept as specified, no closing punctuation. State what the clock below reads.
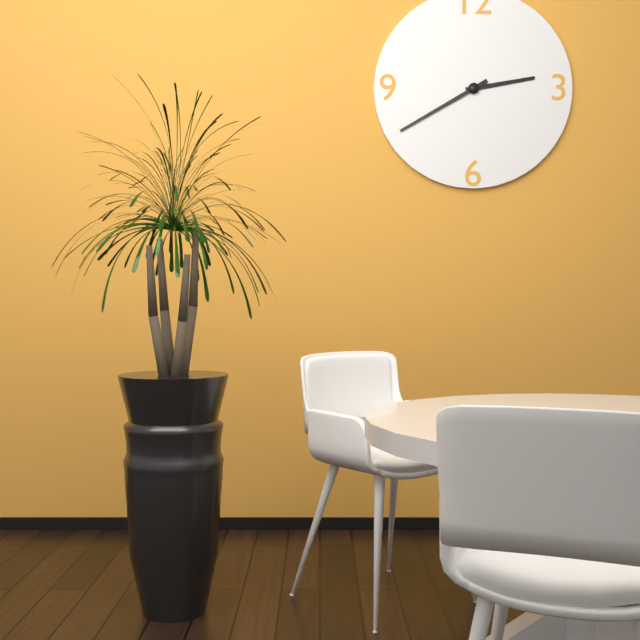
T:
2:40
